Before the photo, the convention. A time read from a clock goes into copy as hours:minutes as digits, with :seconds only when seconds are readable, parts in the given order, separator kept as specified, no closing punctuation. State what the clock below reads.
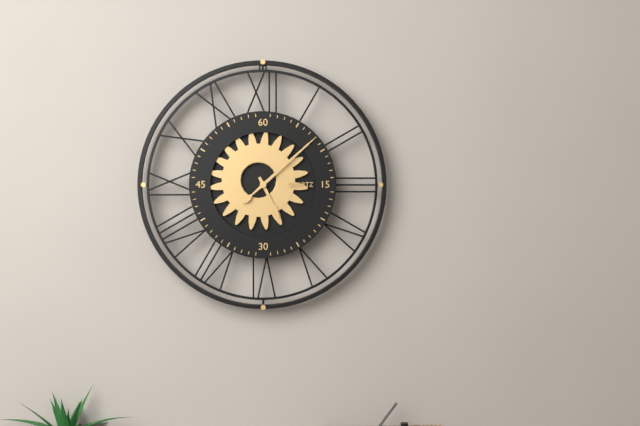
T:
5:08
